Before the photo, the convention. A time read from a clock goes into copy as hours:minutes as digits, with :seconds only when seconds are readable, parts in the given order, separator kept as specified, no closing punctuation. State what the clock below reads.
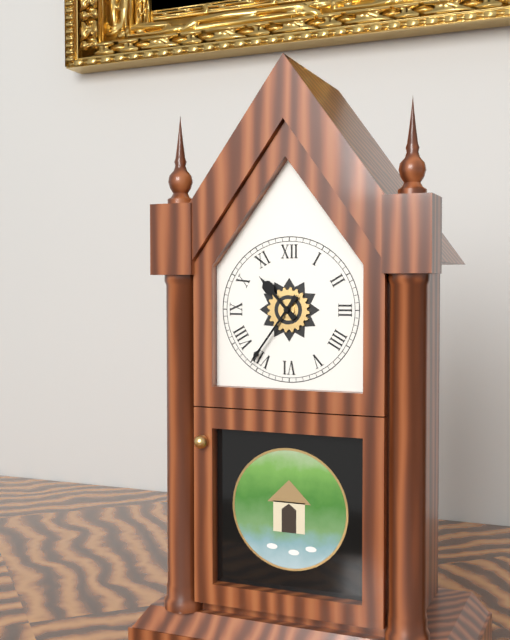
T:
10:36
